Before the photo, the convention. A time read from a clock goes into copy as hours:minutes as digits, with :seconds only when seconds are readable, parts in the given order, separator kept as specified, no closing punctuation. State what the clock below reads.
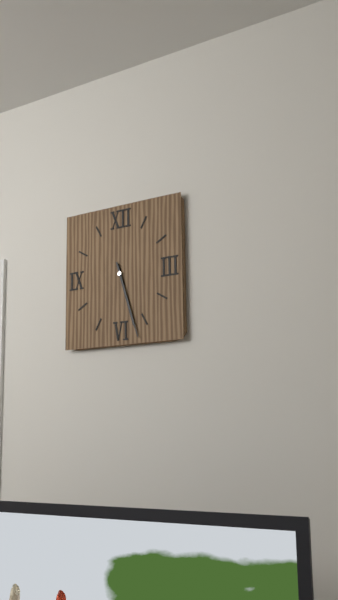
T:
5:27
